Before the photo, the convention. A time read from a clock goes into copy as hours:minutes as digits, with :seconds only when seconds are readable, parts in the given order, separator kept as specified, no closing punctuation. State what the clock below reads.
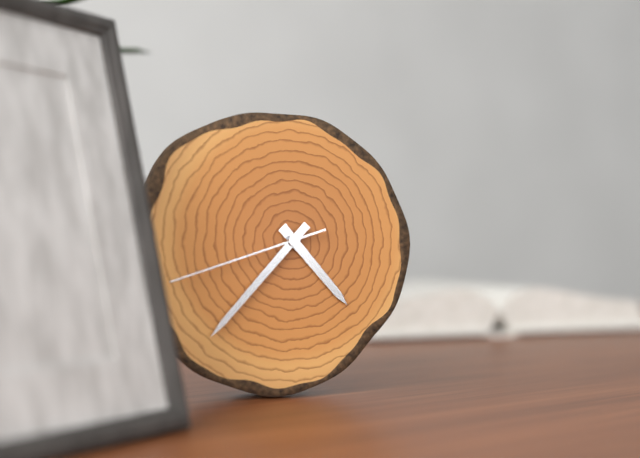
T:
4:37:42
